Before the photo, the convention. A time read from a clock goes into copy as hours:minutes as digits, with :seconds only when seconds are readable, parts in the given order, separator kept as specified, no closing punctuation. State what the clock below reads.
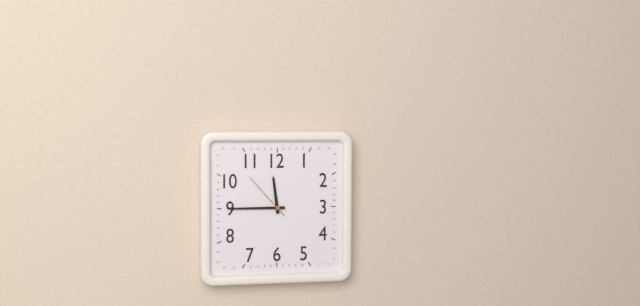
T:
11:45:53
